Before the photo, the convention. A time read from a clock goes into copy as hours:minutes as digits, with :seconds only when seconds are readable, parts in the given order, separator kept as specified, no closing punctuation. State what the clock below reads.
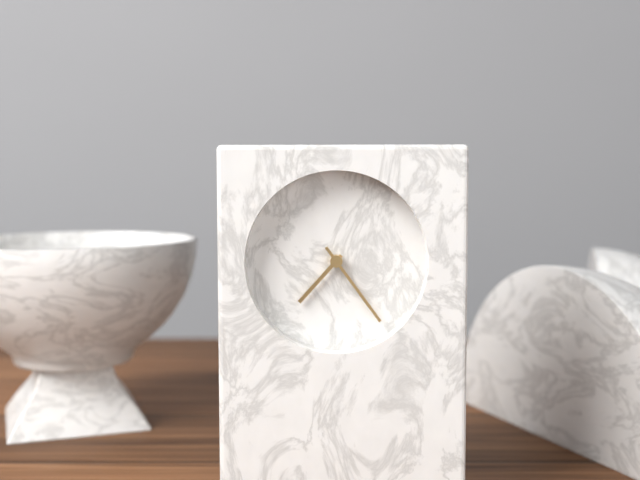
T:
7:24
